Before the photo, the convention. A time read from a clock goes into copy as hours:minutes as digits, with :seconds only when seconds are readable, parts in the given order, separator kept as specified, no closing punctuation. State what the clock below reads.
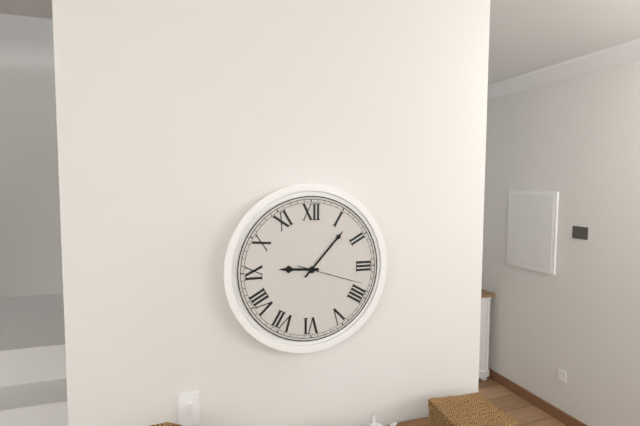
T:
9:07:18
